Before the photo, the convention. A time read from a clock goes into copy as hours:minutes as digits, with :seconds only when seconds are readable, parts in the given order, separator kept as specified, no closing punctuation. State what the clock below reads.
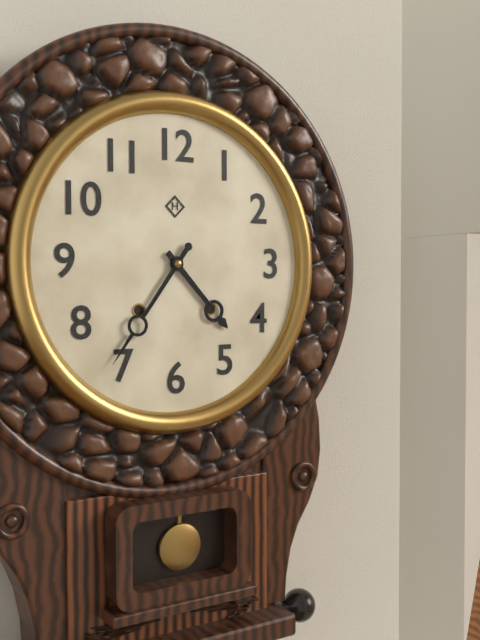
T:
4:36
